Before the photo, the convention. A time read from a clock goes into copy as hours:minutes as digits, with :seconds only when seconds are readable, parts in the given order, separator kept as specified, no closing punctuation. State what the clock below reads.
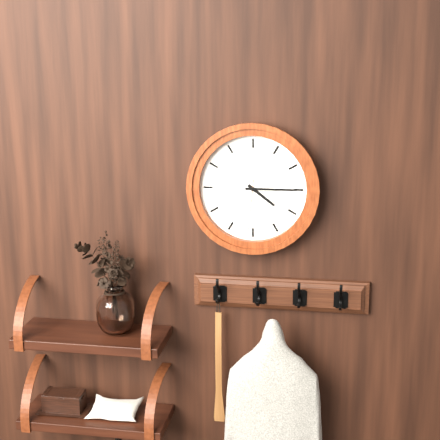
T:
4:15:31
